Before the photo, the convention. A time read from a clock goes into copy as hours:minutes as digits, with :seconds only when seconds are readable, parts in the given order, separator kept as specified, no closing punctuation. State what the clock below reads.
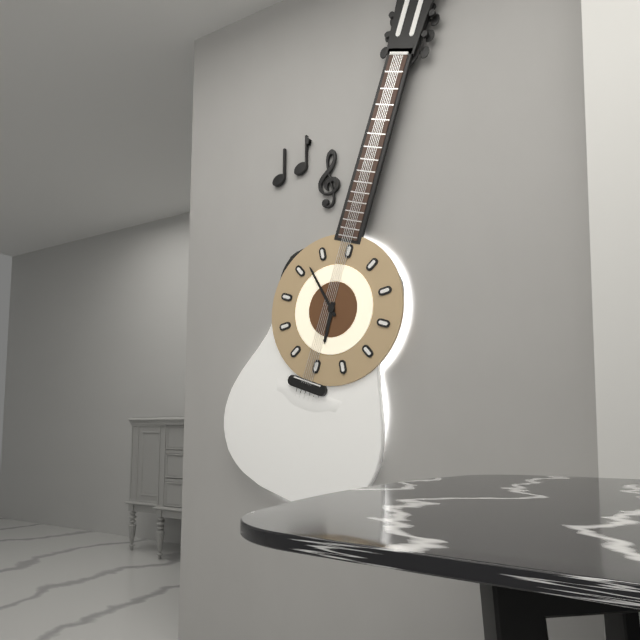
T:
5:52
